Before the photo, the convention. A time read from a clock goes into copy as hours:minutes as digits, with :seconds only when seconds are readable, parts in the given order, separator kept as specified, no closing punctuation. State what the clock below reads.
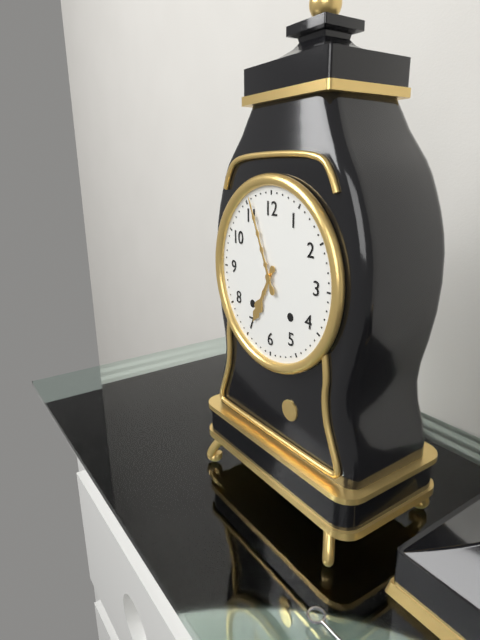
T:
6:56
